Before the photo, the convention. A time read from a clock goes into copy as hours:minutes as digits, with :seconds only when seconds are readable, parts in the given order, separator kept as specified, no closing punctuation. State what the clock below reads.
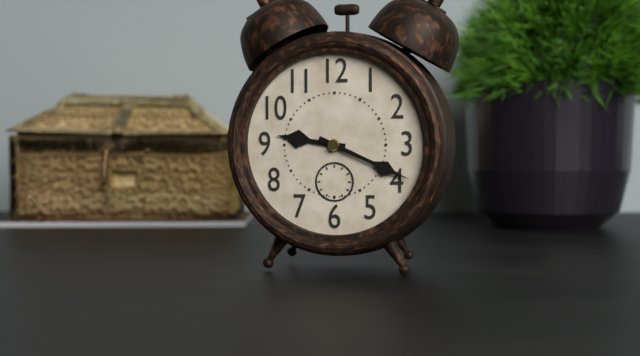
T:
9:19
